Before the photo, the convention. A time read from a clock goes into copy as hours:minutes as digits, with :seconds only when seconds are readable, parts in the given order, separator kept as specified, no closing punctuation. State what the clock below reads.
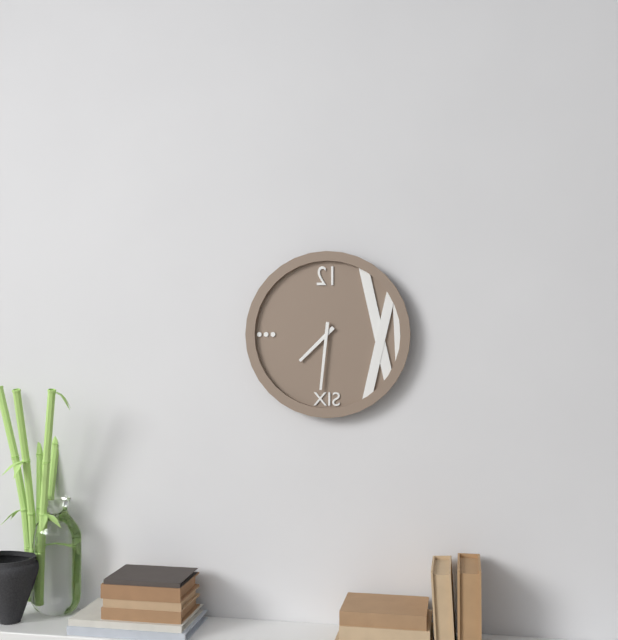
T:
7:31
